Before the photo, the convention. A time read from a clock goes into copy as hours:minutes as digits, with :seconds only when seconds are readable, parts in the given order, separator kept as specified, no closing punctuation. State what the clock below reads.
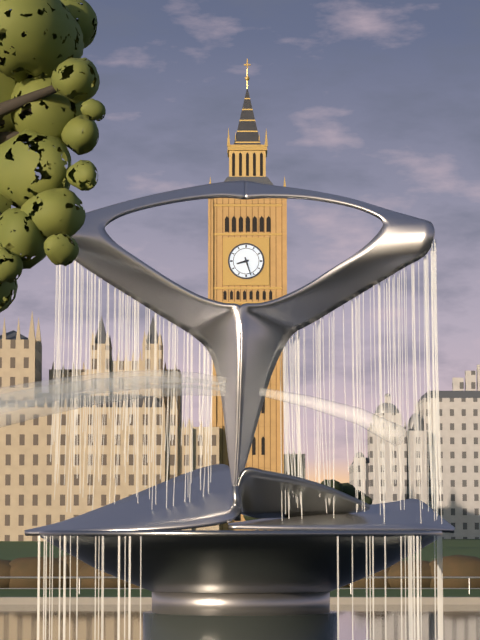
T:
8:27
